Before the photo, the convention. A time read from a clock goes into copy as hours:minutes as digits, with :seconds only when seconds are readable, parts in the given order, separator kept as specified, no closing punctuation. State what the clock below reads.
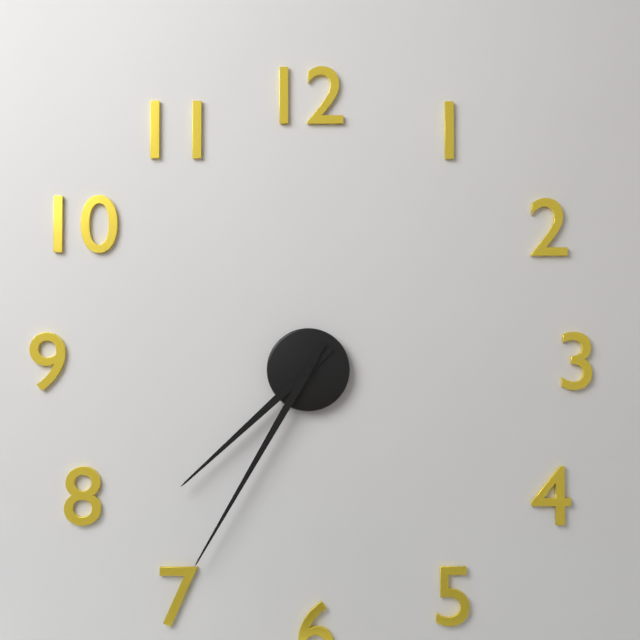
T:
7:35
